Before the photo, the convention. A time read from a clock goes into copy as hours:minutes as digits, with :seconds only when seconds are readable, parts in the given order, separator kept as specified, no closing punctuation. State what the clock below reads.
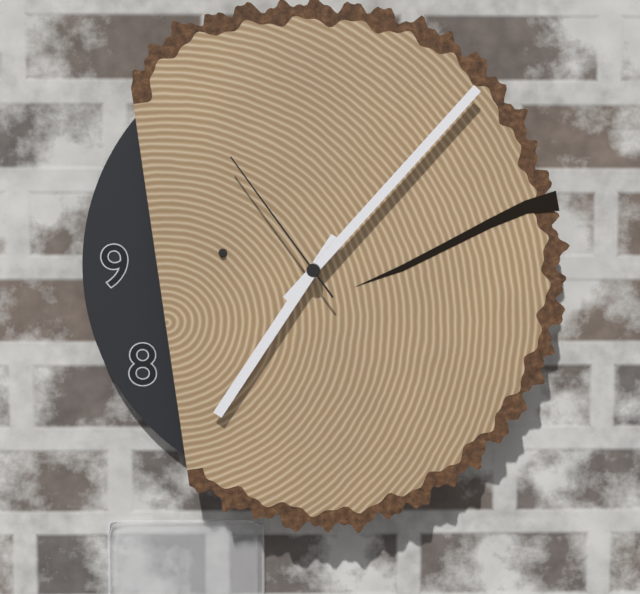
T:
7:07:54
